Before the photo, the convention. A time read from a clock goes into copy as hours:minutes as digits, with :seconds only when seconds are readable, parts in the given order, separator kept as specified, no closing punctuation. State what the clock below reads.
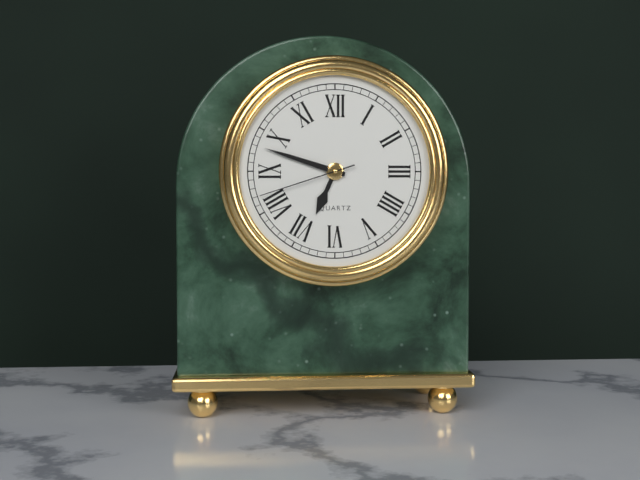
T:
6:48:42
